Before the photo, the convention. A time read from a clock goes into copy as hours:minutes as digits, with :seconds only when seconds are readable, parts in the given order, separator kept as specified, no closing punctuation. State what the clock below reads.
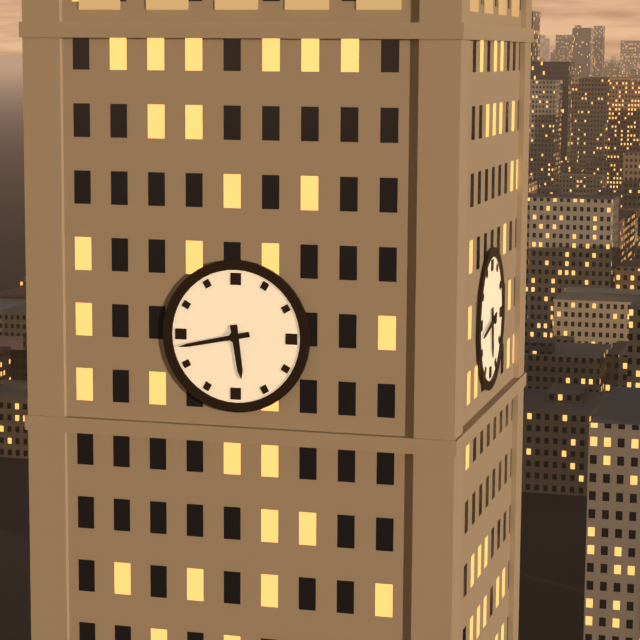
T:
5:43
